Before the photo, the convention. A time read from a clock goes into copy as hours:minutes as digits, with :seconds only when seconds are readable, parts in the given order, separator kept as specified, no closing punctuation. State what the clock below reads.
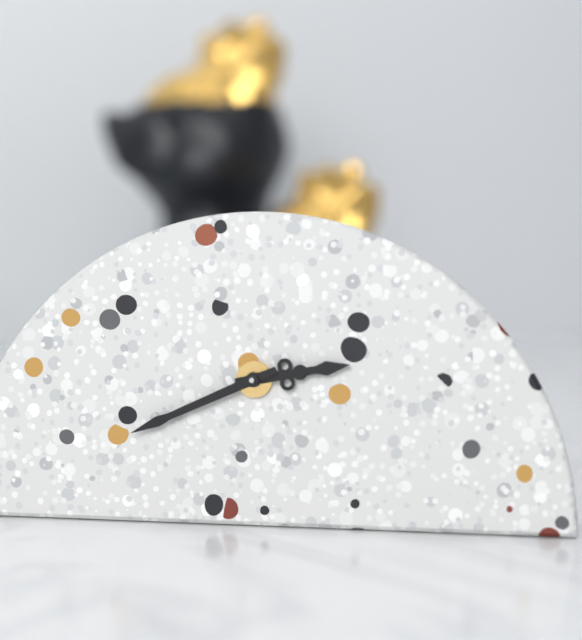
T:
2:41
